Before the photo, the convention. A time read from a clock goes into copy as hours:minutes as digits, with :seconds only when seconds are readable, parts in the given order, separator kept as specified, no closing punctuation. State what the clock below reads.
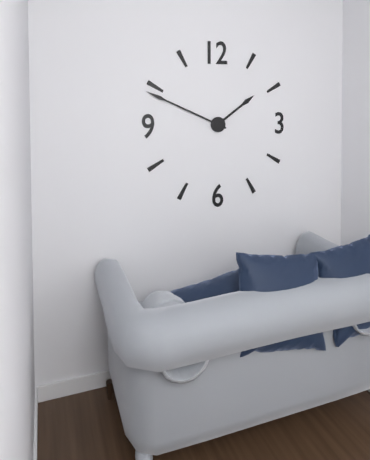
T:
1:49
